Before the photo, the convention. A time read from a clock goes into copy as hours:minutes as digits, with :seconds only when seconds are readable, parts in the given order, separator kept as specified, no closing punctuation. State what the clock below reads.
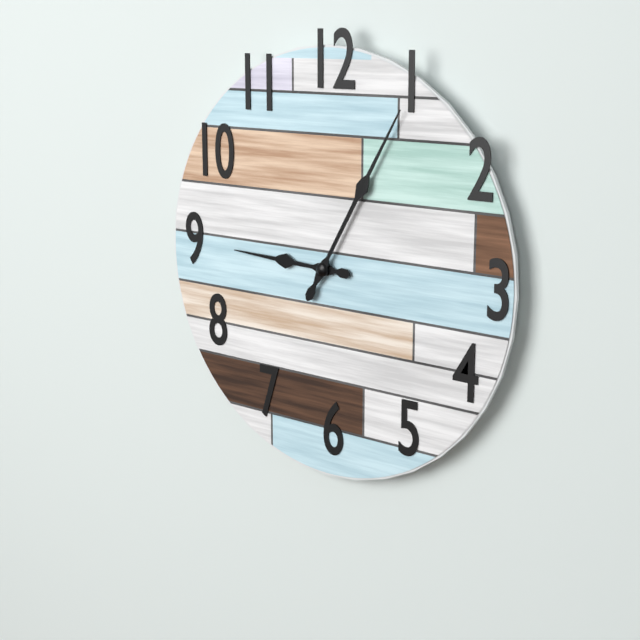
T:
9:05
